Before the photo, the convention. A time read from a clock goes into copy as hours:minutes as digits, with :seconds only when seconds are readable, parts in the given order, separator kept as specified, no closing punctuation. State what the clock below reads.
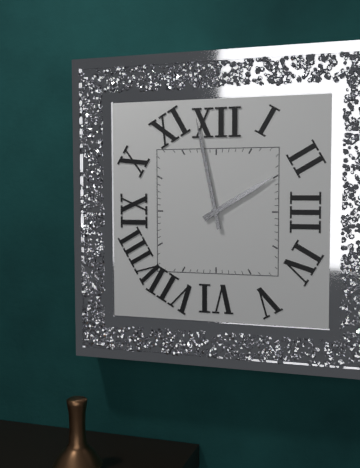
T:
1:58
